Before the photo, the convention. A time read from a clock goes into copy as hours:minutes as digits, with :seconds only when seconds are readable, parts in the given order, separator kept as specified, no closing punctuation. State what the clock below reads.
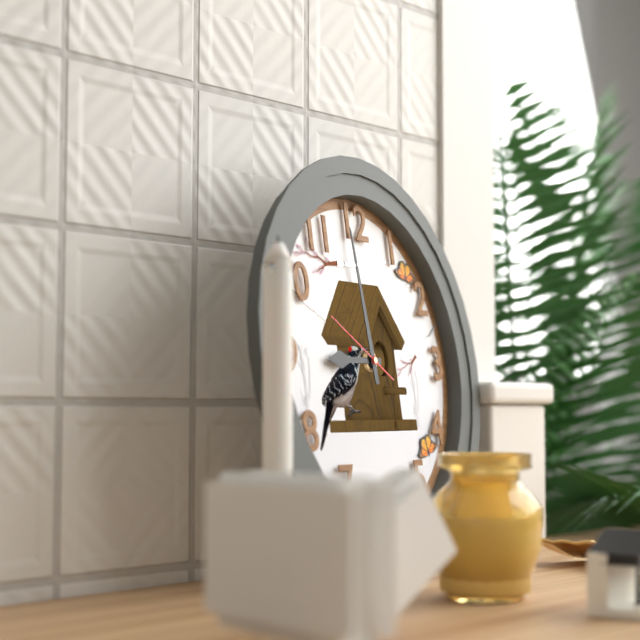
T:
8:59:50
